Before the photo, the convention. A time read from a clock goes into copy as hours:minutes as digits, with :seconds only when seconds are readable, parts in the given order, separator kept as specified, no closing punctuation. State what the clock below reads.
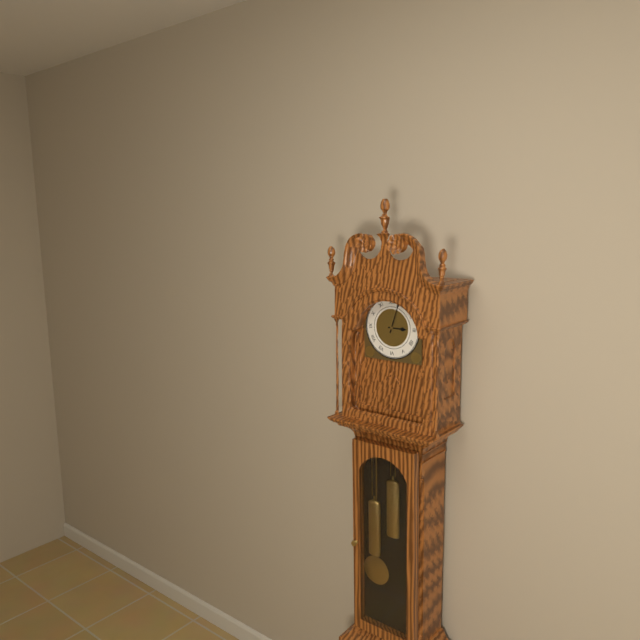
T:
3:03
